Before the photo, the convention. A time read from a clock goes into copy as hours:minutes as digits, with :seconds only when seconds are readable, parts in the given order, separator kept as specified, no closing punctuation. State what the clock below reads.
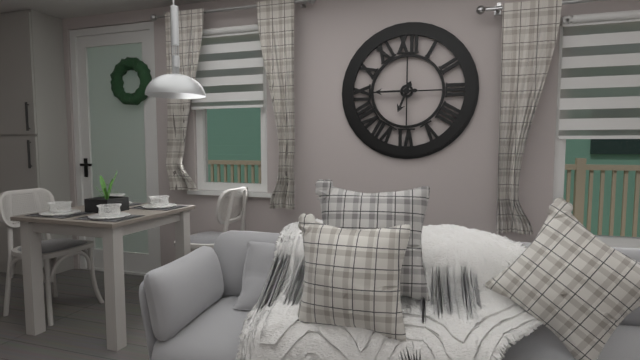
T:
6:45
